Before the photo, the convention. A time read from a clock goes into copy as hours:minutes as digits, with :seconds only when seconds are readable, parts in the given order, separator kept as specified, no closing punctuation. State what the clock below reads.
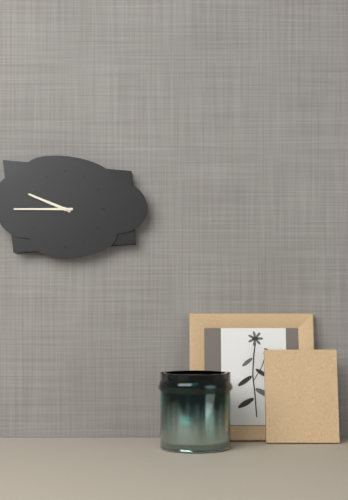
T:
9:45
